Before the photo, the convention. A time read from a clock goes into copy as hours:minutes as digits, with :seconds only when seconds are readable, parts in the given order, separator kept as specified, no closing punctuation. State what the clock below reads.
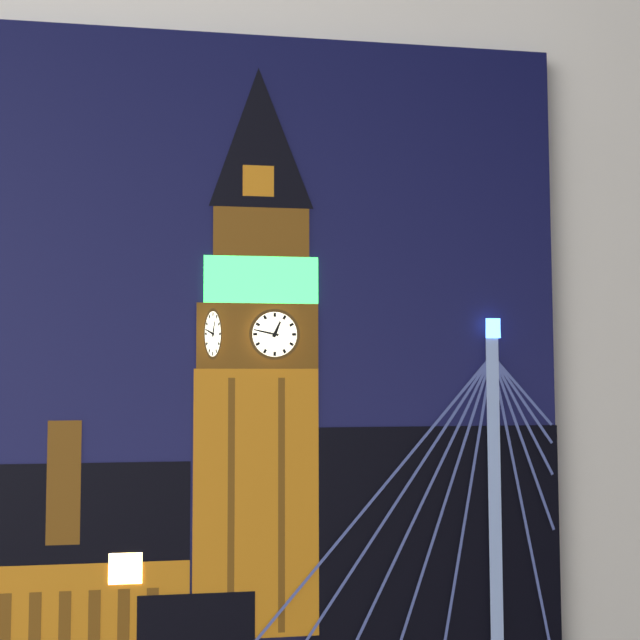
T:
12:47
